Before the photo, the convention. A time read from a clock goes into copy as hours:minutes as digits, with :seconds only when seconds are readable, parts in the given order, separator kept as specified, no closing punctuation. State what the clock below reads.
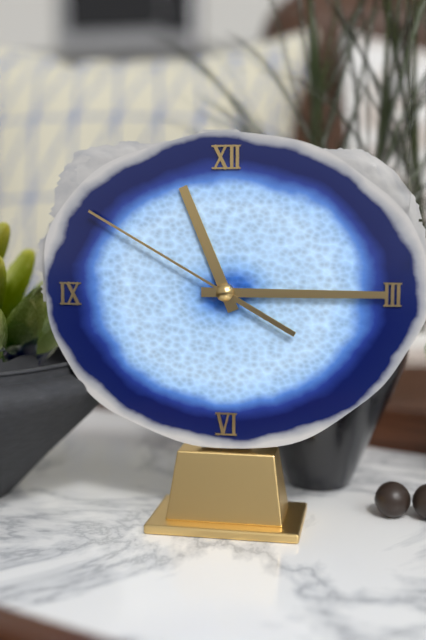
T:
11:15:50
